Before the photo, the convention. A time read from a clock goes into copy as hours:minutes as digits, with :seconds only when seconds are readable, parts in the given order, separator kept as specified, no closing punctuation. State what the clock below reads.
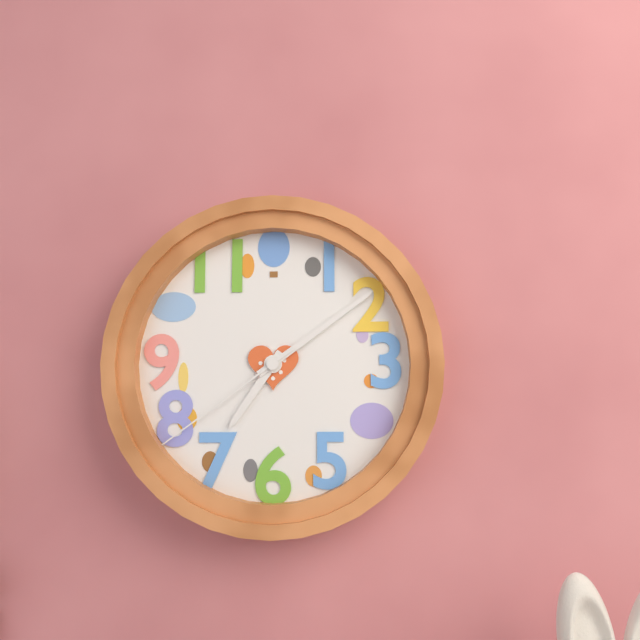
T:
7:09:39
